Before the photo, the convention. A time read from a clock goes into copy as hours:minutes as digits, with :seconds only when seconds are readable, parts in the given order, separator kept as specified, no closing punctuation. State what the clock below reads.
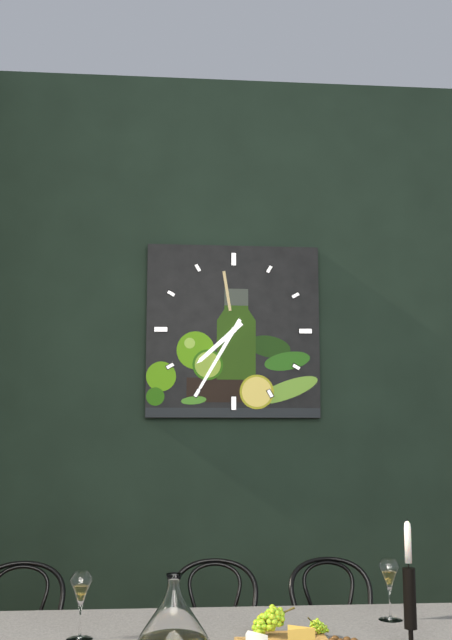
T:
7:35
